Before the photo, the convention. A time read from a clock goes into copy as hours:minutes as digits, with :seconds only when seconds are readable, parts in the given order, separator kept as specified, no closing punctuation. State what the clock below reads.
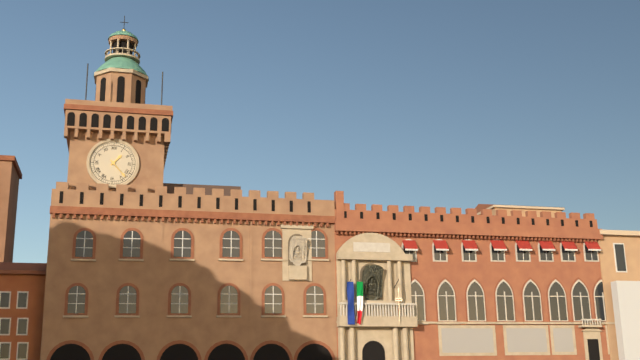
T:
1:23
